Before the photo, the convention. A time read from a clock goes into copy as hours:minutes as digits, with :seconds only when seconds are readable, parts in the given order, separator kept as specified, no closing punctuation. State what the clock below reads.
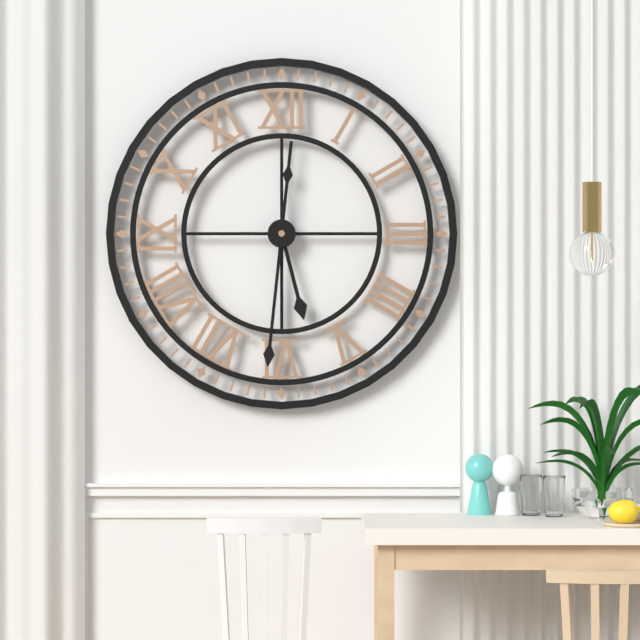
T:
5:31
